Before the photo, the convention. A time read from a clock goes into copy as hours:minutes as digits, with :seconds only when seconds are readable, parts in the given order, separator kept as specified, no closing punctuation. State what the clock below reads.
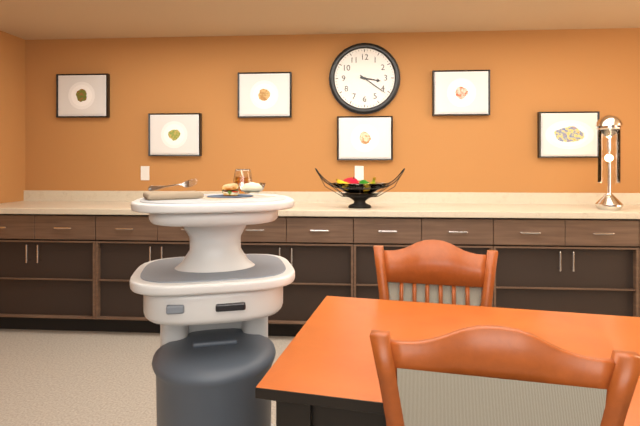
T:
3:21
